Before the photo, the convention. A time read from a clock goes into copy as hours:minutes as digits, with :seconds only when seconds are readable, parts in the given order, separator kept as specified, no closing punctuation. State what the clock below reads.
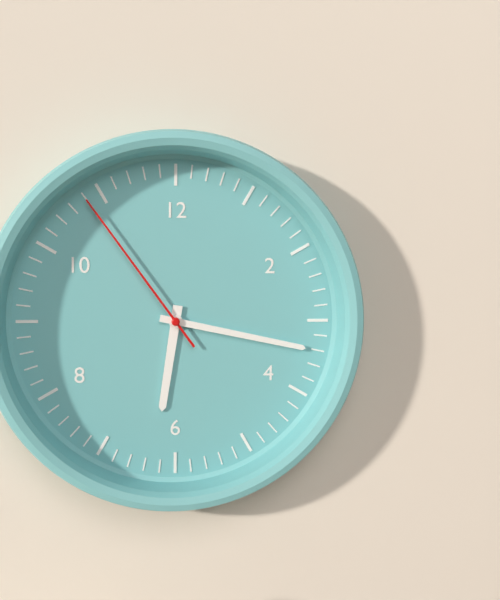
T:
6:17:54
